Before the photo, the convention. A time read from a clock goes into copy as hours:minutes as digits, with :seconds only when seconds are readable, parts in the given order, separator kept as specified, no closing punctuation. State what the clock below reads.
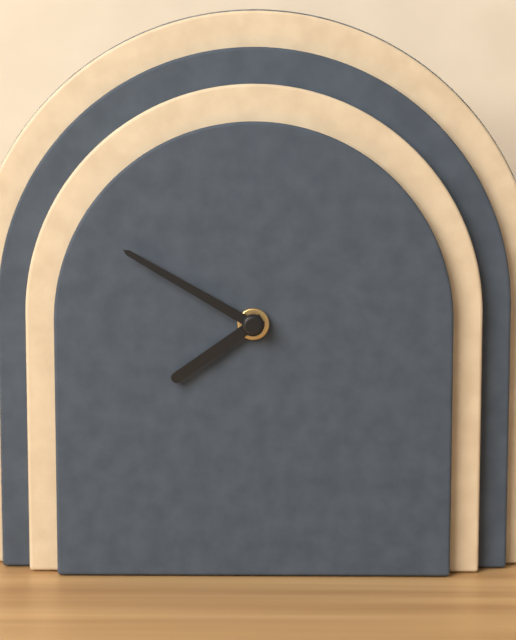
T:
7:50
